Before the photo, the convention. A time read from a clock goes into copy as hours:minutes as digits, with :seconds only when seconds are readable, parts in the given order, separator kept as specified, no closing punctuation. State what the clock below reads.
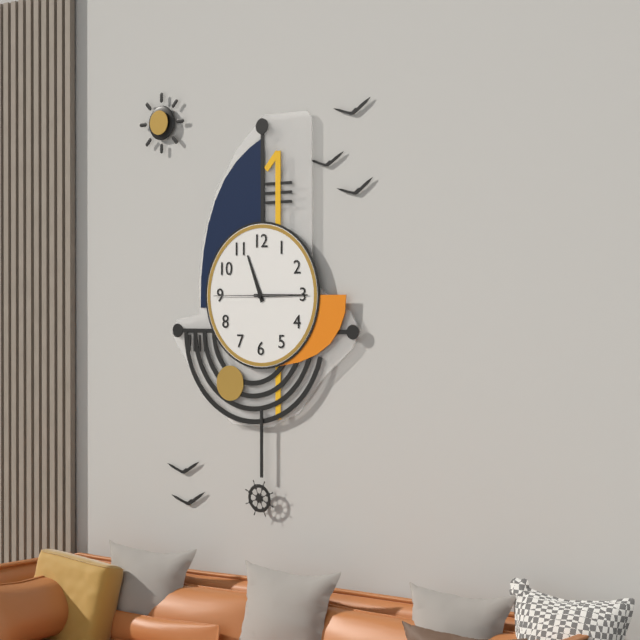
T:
11:15:45
